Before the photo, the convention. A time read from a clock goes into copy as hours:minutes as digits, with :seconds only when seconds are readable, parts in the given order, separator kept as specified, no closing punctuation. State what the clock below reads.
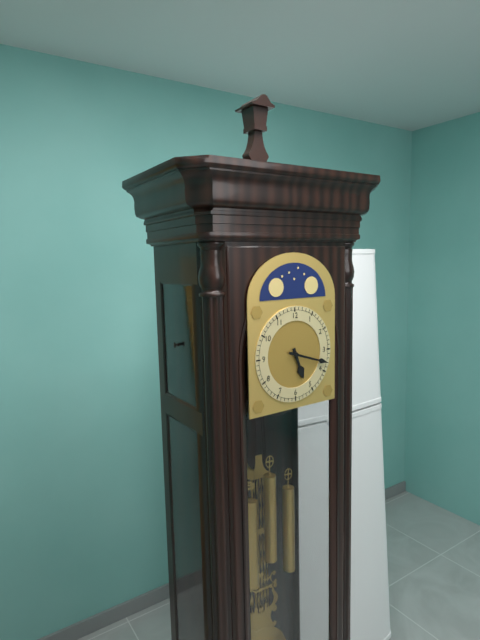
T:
5:18
